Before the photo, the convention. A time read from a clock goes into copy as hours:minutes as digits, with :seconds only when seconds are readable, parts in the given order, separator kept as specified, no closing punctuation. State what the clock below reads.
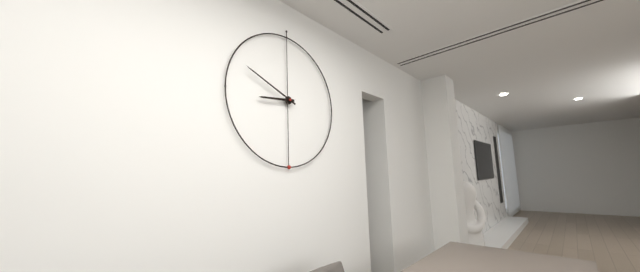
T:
8:49
